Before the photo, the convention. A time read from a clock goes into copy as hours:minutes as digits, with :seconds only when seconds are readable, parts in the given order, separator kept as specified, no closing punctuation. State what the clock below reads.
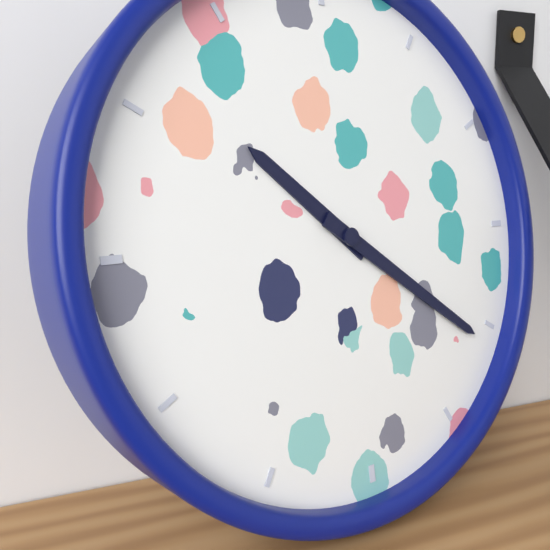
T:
10:21
